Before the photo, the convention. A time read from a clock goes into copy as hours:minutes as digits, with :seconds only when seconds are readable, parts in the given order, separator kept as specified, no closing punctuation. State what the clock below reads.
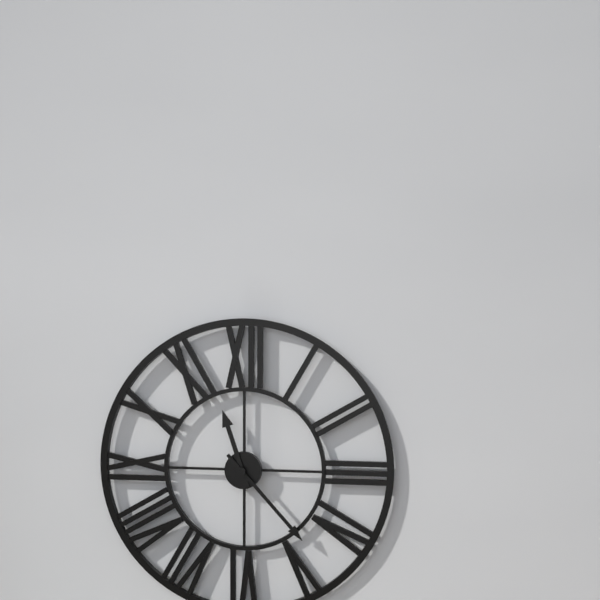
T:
11:23
